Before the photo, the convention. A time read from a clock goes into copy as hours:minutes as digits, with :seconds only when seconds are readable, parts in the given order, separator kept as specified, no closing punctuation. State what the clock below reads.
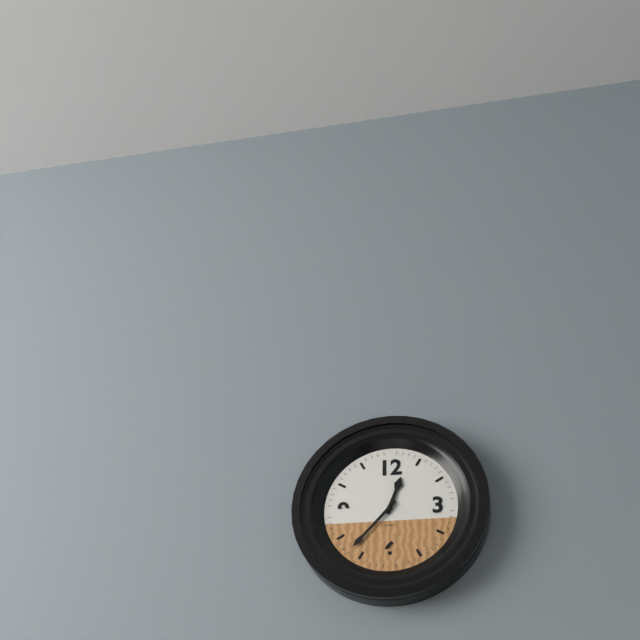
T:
12:37
